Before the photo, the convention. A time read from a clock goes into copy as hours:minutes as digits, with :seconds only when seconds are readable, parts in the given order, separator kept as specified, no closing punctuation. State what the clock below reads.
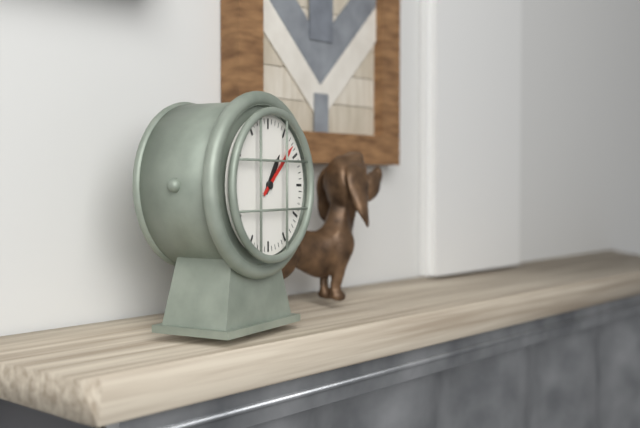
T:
1:08
